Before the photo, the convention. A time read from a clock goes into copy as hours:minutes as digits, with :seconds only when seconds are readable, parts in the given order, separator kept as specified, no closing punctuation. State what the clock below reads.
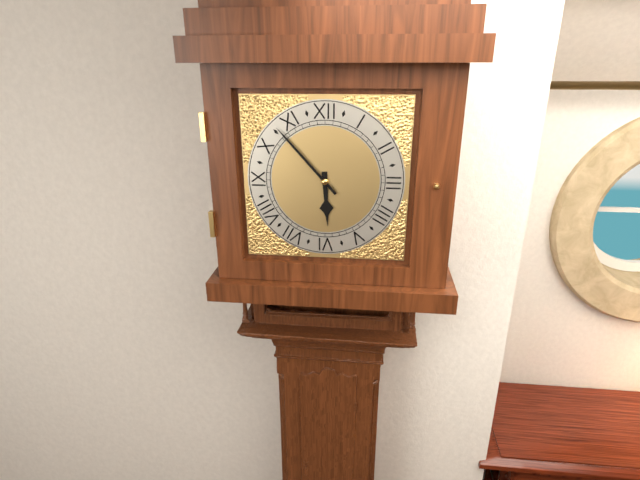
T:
5:53
